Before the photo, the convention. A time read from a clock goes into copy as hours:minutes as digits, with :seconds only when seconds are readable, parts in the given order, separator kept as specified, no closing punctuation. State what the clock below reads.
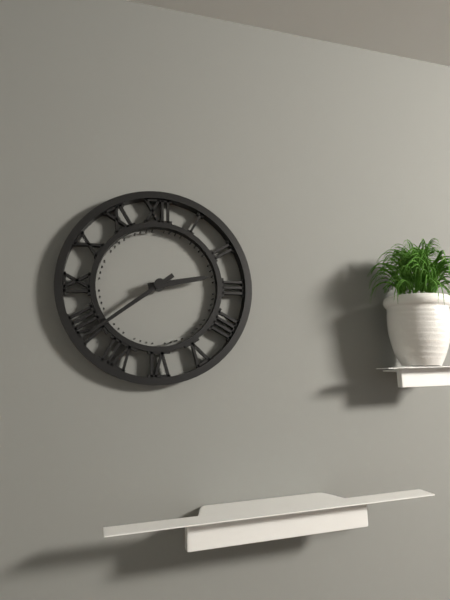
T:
2:39
